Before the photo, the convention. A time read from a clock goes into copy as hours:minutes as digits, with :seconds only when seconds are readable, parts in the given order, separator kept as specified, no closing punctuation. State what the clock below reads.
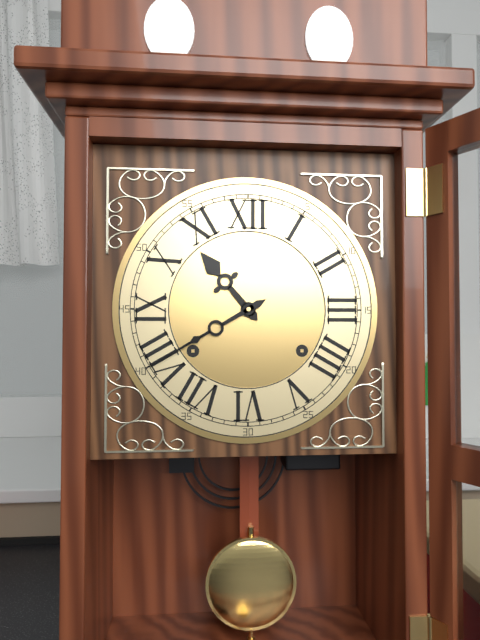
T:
10:40
